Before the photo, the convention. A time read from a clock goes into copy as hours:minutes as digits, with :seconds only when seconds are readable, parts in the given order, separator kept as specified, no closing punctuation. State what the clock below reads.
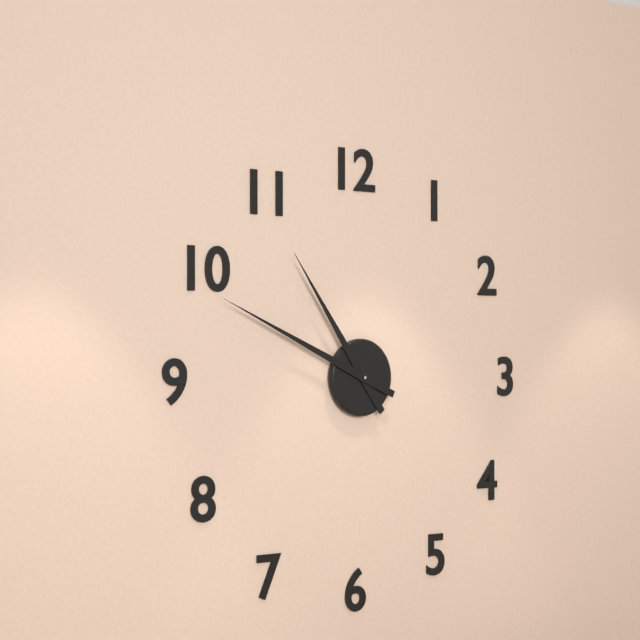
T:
10:49
